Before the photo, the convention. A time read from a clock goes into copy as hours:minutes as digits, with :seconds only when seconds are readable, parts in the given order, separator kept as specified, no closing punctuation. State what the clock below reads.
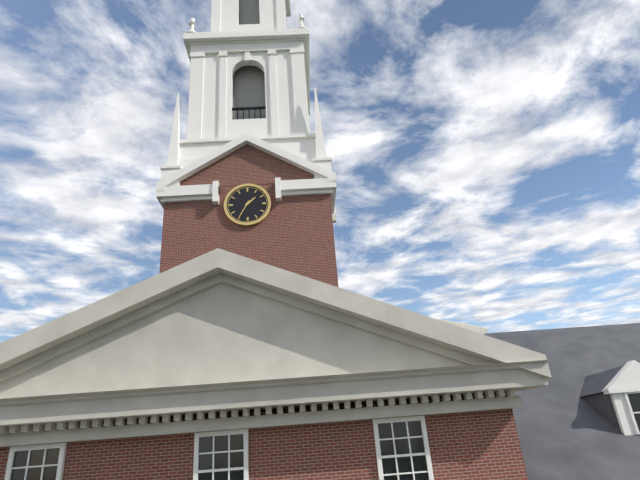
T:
1:35
